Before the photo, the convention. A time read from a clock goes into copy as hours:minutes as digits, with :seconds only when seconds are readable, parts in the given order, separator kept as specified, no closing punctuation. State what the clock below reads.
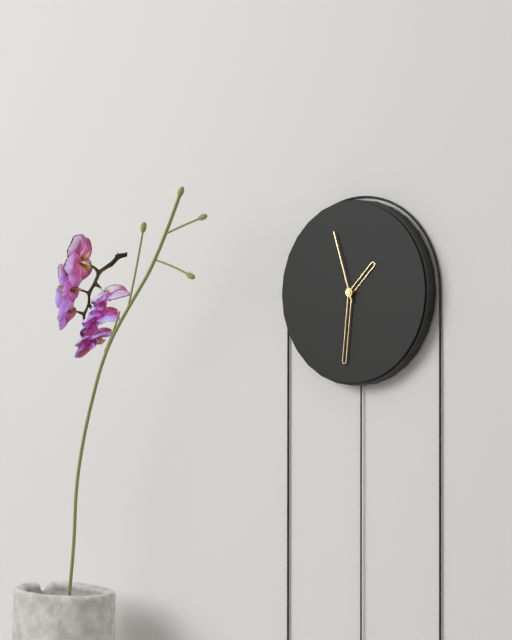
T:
1:31:57
